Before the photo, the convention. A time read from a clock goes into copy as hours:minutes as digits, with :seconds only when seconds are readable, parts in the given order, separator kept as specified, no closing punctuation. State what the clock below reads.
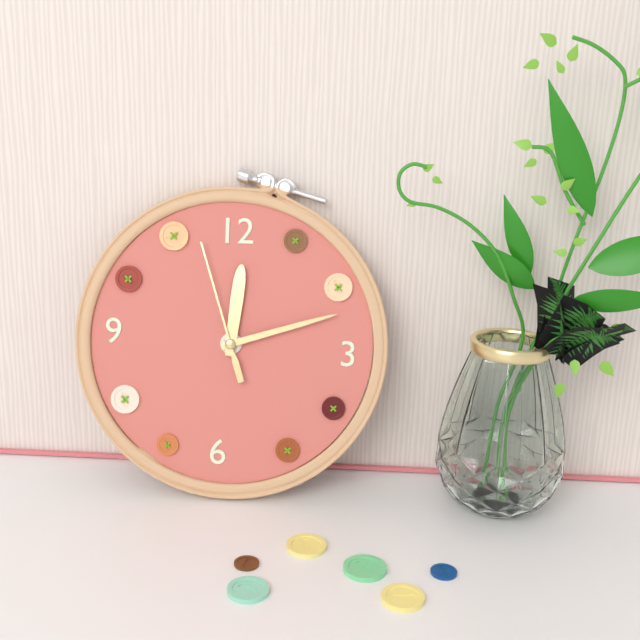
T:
12:12:57
